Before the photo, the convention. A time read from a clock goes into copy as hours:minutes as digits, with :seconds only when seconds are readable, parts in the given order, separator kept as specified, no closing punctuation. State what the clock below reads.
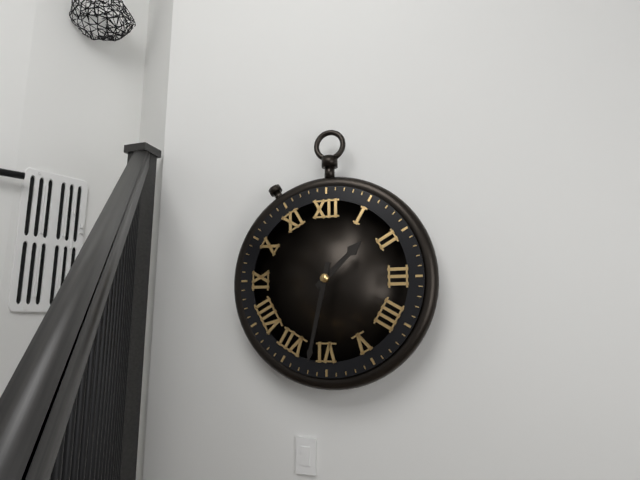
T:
1:32
